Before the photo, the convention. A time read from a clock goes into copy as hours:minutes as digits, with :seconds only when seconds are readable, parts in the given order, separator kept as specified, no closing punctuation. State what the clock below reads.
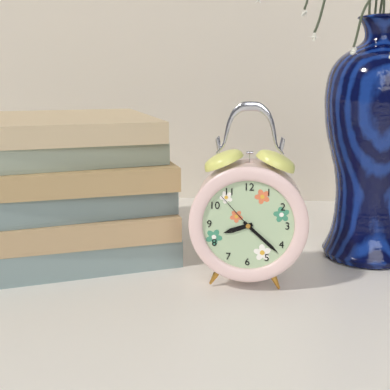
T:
8:22
